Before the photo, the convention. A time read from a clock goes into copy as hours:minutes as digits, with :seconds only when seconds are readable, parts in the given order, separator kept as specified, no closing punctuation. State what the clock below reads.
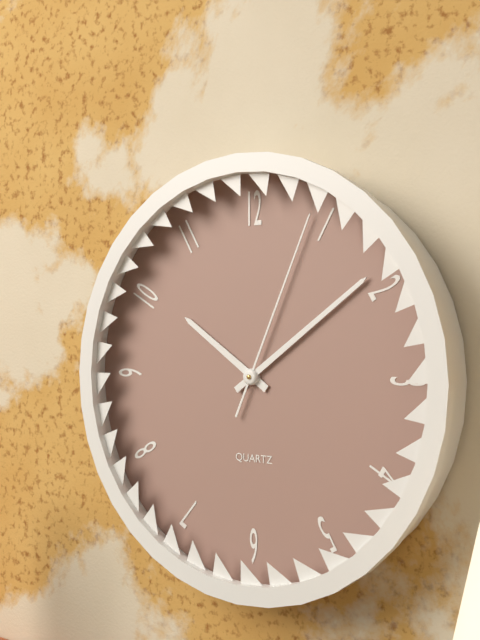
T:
10:09:04
